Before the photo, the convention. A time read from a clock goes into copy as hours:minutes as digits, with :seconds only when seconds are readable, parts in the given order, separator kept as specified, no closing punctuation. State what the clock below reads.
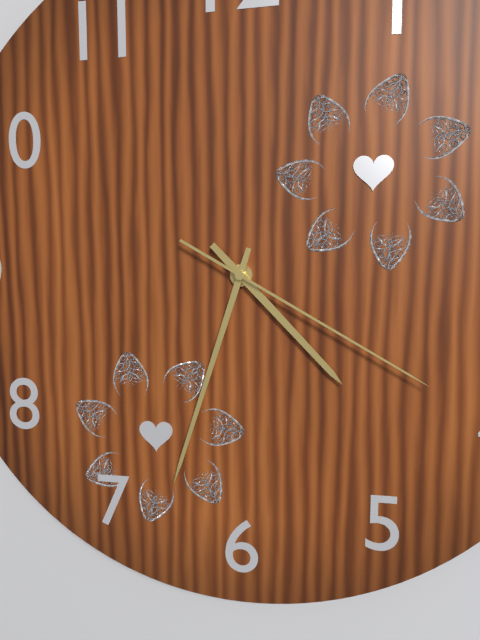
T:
4:33:20
